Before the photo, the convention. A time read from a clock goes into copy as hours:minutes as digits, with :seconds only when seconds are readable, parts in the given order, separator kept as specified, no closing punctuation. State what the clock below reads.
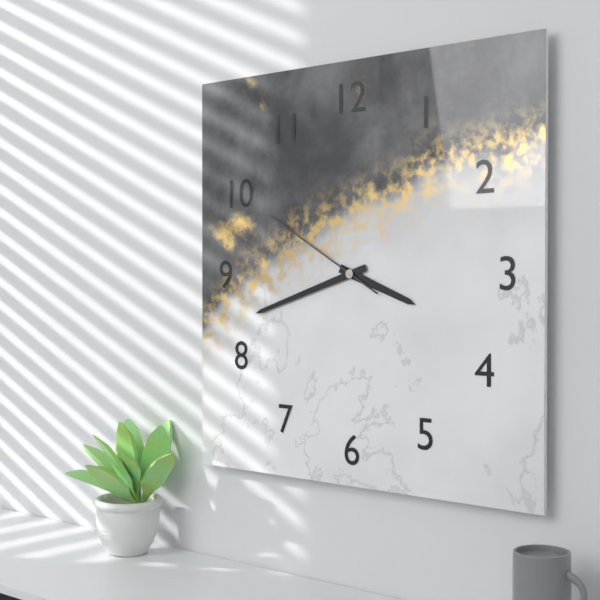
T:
3:42:50
